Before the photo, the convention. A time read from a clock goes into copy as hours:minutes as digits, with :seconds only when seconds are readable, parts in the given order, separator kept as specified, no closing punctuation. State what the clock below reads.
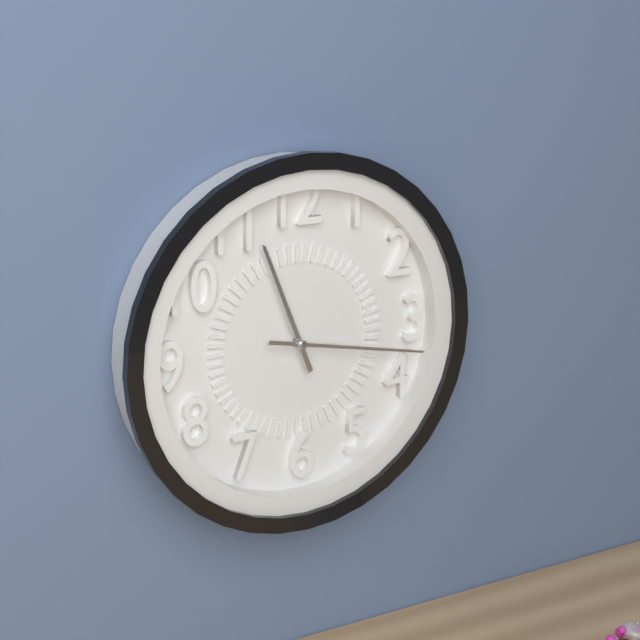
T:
11:17
